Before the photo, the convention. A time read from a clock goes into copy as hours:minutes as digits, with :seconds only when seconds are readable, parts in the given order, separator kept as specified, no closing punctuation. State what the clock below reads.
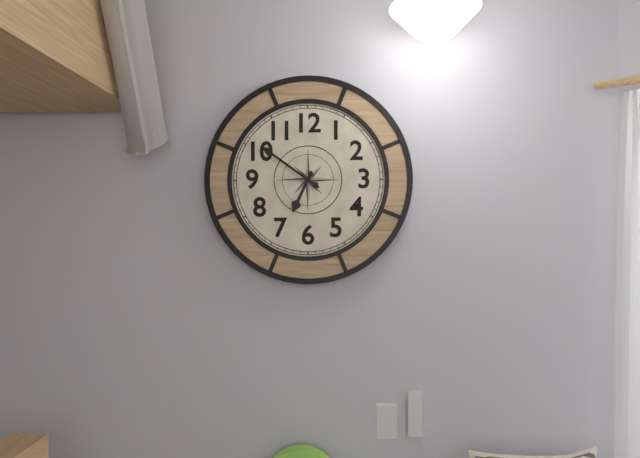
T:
6:51
